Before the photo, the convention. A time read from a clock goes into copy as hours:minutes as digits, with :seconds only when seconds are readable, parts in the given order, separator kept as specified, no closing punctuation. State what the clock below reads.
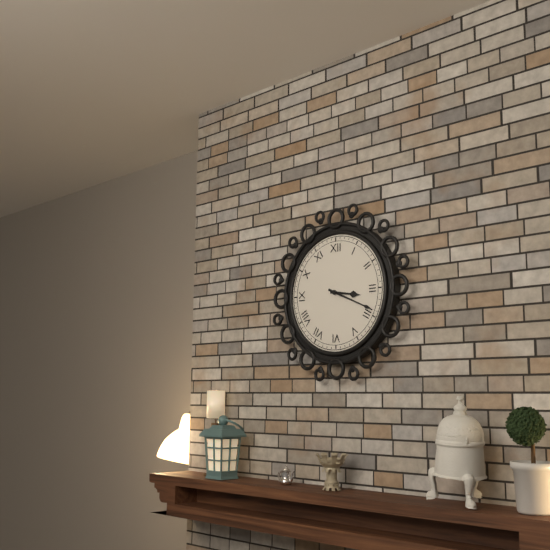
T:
3:19
